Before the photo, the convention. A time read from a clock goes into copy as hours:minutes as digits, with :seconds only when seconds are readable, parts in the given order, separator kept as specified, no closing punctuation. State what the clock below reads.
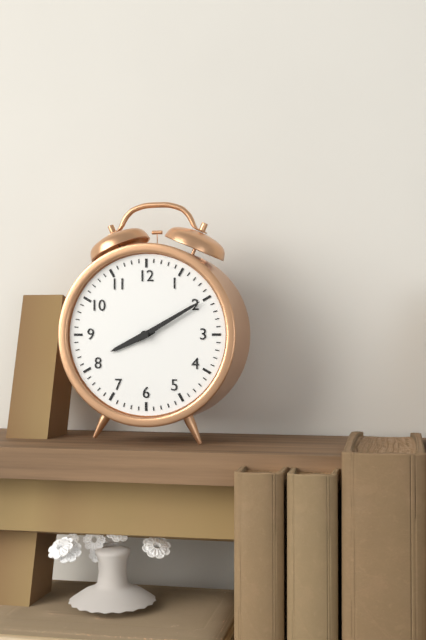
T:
8:10
